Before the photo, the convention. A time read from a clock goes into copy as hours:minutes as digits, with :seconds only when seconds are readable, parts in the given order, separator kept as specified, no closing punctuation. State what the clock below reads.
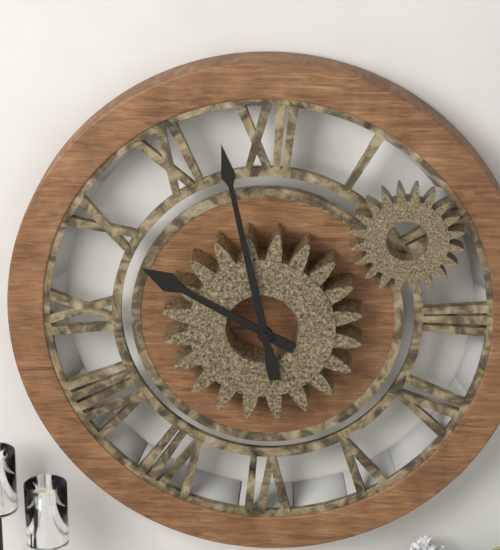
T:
9:58
